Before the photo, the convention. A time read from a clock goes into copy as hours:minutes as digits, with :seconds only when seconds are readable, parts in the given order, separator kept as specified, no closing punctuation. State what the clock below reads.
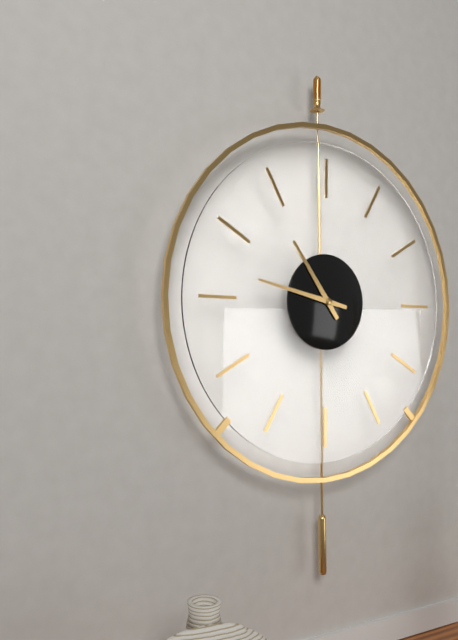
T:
10:47
